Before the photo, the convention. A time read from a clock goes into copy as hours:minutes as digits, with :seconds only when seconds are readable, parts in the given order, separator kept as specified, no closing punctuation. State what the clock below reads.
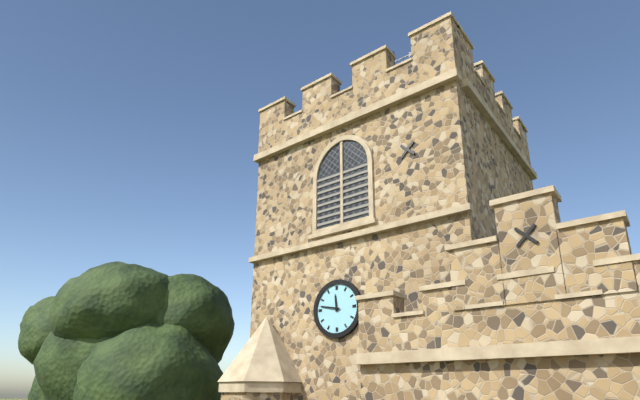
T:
11:47
